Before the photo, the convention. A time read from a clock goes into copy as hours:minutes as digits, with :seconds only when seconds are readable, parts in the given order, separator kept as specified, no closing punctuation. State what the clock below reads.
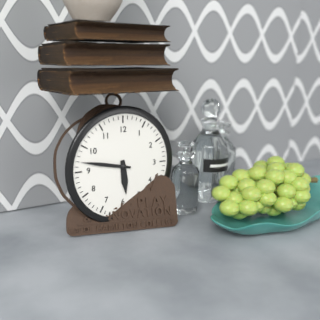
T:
5:47
